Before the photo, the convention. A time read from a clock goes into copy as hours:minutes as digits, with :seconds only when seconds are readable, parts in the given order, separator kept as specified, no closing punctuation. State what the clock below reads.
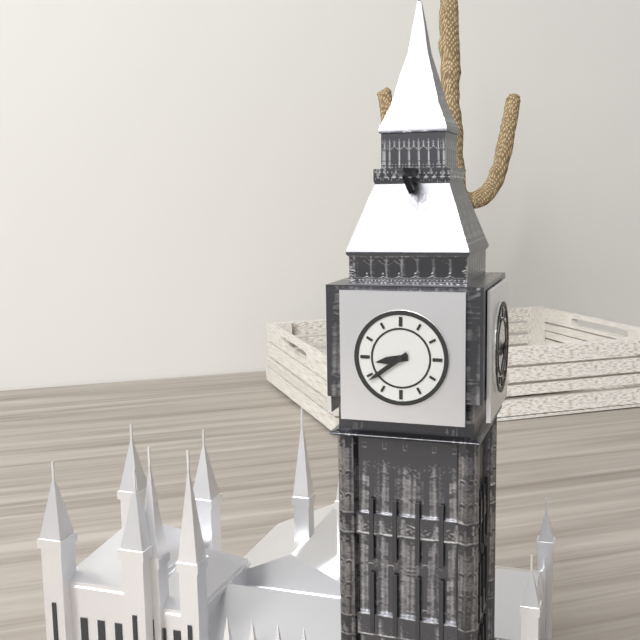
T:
8:39
